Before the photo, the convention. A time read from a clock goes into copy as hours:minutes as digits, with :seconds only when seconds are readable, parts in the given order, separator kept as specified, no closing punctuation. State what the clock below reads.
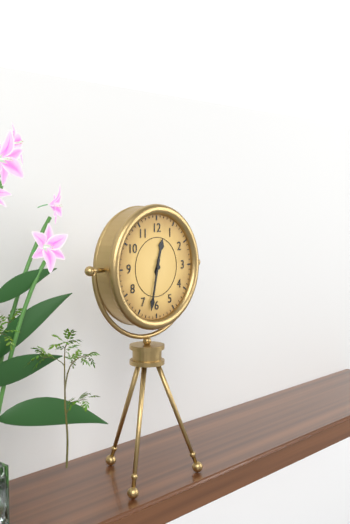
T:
12:32
